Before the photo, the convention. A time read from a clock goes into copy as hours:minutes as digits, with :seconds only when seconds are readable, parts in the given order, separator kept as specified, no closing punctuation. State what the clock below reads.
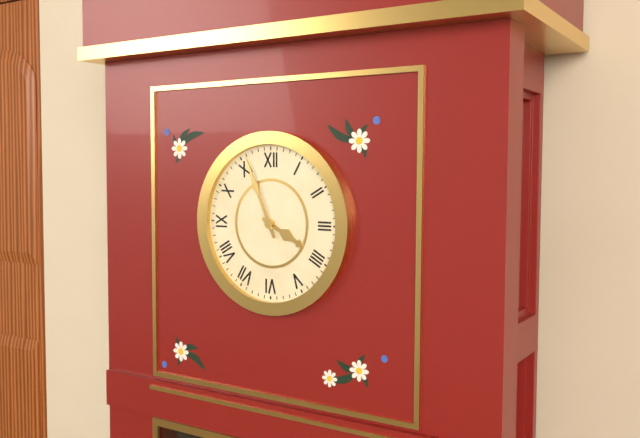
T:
3:56
